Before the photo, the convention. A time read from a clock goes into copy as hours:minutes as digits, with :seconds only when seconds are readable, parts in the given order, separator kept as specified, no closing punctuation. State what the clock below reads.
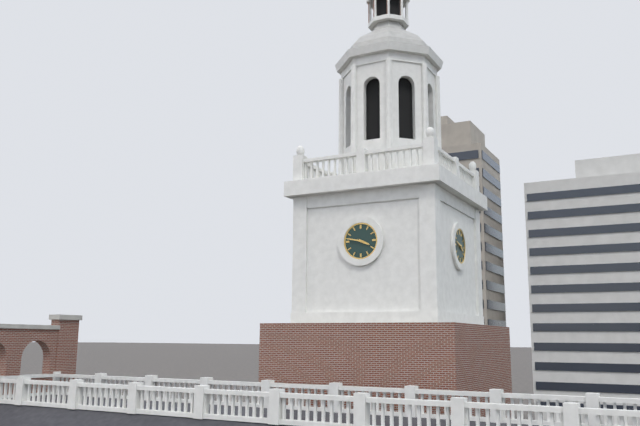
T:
3:47
